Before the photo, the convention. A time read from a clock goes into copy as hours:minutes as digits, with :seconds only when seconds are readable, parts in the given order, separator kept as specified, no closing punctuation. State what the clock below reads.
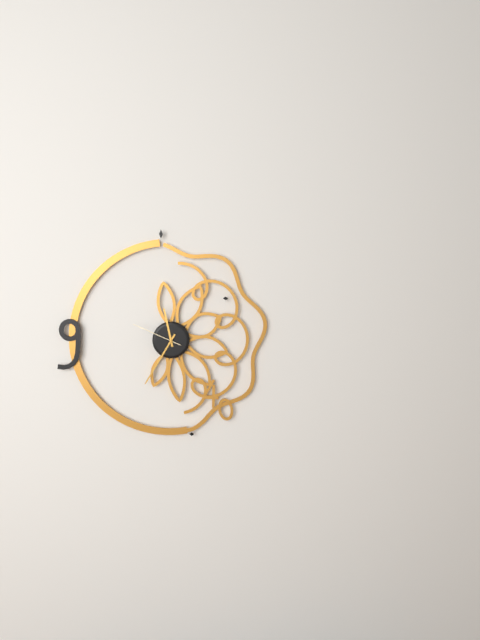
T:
11:35:49
